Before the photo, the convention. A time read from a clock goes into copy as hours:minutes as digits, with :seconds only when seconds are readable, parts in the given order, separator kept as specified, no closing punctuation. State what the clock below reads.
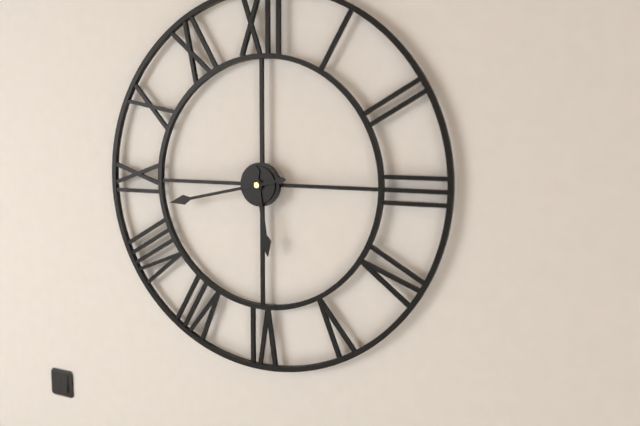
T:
5:43
